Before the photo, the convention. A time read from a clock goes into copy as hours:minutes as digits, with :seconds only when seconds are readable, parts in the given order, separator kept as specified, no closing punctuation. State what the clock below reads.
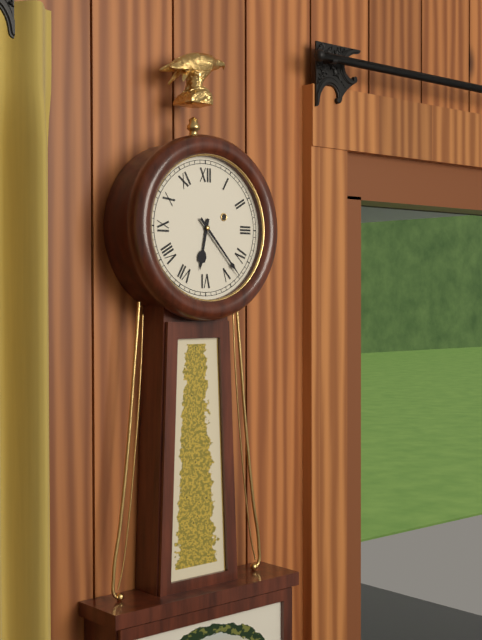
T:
6:23
